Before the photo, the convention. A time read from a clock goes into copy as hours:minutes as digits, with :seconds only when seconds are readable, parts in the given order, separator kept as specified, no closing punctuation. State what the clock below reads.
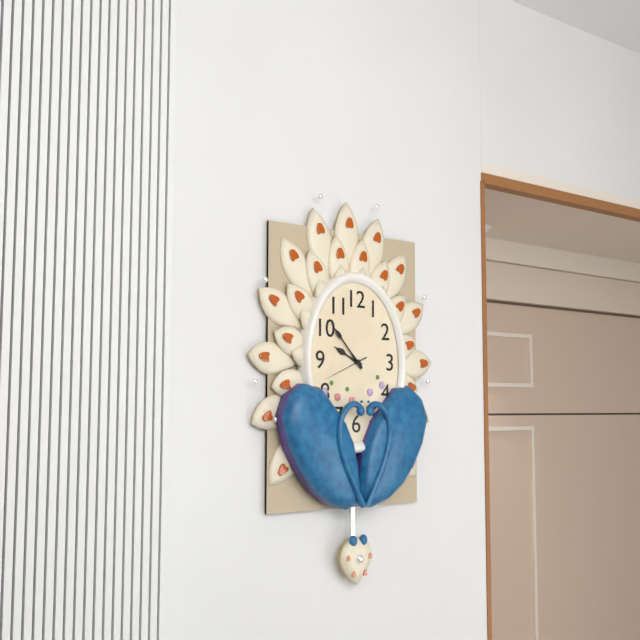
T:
9:53
